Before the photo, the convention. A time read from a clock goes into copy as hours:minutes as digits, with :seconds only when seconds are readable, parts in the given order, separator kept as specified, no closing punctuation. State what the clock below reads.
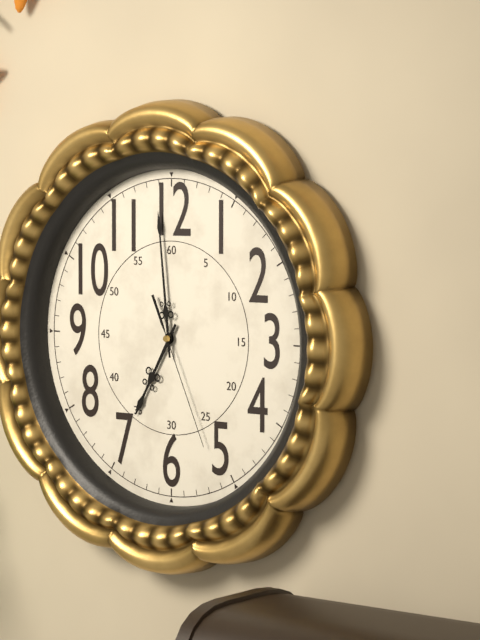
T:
6:59:26
